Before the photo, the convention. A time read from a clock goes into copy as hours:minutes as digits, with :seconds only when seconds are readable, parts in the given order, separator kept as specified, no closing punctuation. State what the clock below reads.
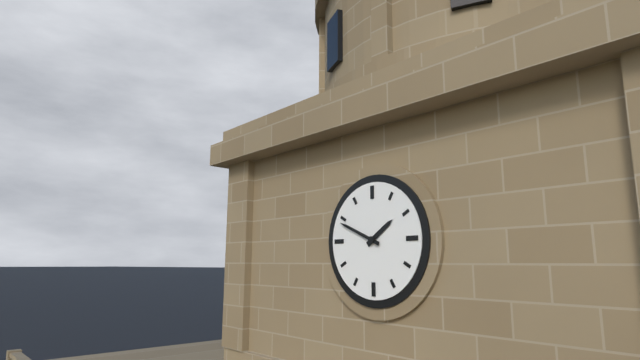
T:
1:49
